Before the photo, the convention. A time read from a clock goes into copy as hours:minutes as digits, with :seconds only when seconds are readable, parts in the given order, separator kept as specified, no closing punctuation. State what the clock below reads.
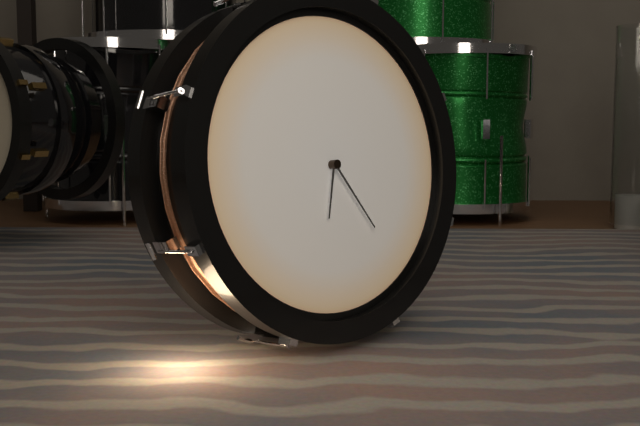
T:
6:24
